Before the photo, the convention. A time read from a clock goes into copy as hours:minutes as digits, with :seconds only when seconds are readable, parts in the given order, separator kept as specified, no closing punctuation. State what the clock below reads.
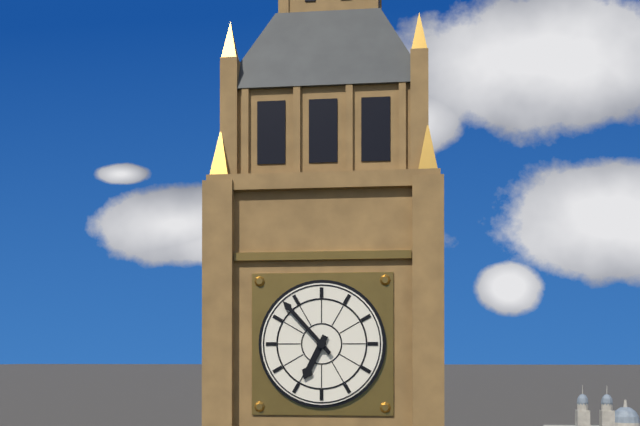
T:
6:53
